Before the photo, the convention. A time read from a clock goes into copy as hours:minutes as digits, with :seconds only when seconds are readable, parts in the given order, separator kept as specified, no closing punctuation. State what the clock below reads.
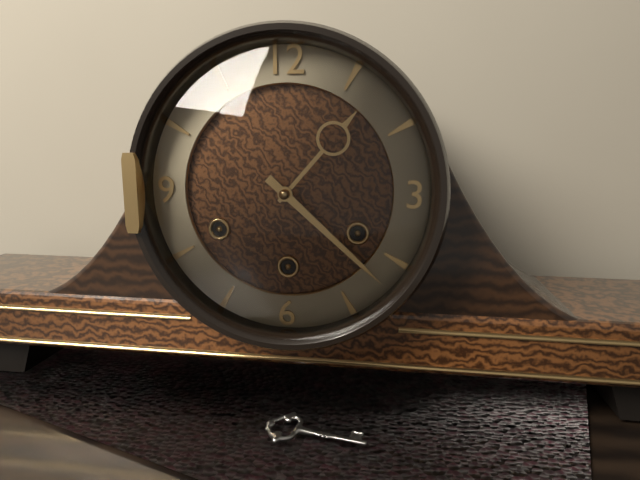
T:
1:22
